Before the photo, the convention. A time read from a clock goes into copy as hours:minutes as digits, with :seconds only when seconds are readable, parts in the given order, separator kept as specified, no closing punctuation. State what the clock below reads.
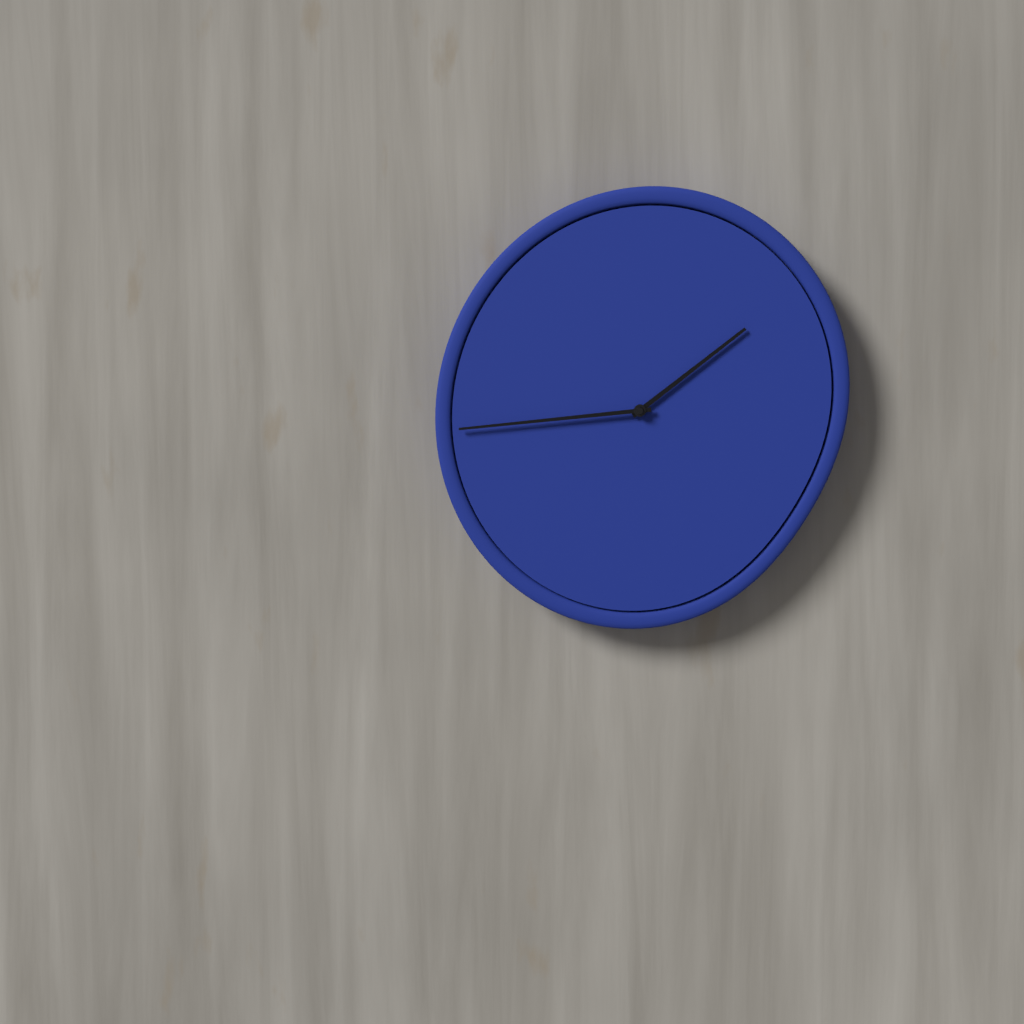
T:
1:44
